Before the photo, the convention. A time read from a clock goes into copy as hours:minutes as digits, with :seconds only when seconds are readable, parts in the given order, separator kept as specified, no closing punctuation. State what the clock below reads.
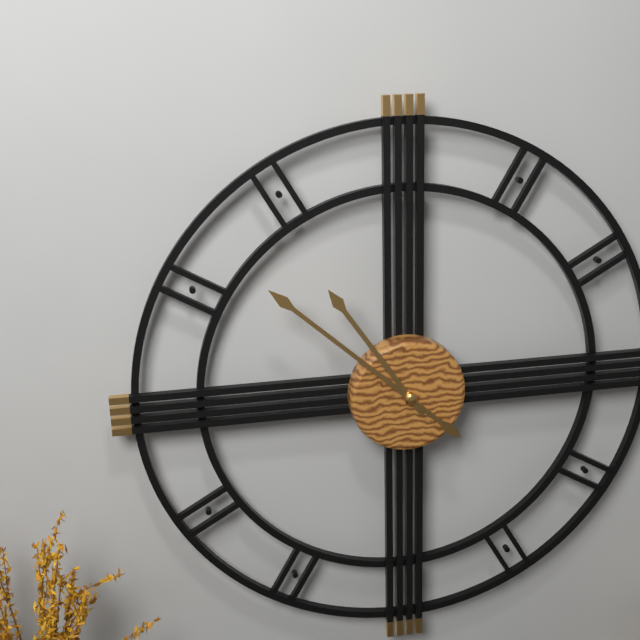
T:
10:52
